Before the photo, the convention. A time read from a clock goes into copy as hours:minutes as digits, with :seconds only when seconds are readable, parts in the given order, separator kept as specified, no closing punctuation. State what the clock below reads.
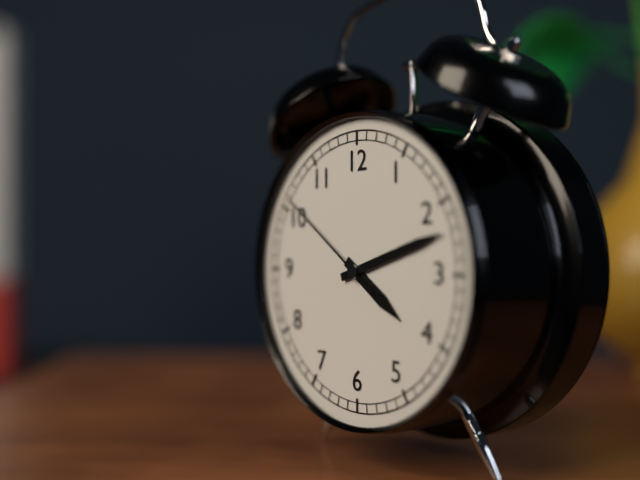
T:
4:12:51
